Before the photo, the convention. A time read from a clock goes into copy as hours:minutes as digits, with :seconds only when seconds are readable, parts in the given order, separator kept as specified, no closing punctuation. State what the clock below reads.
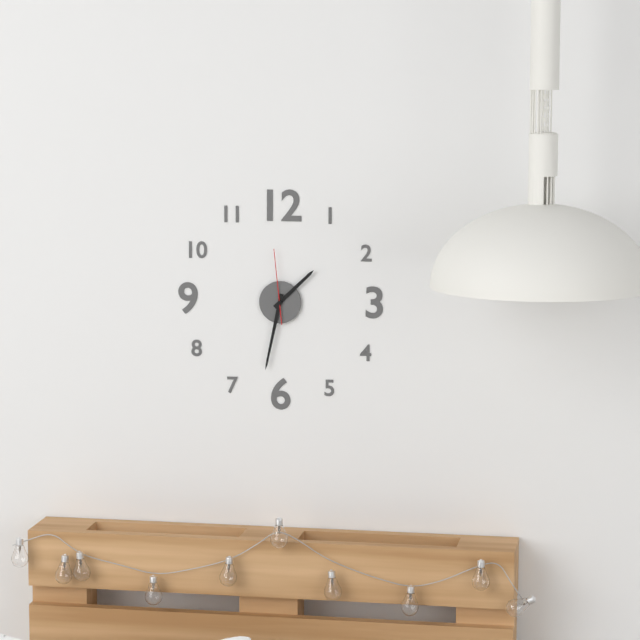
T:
1:32:59
